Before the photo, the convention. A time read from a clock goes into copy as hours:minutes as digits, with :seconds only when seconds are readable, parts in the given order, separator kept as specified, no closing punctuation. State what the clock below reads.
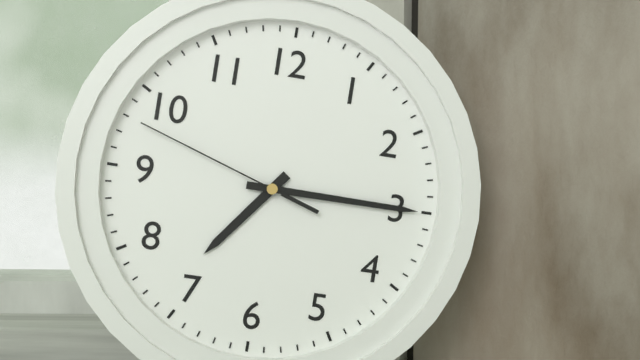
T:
7:15:48
